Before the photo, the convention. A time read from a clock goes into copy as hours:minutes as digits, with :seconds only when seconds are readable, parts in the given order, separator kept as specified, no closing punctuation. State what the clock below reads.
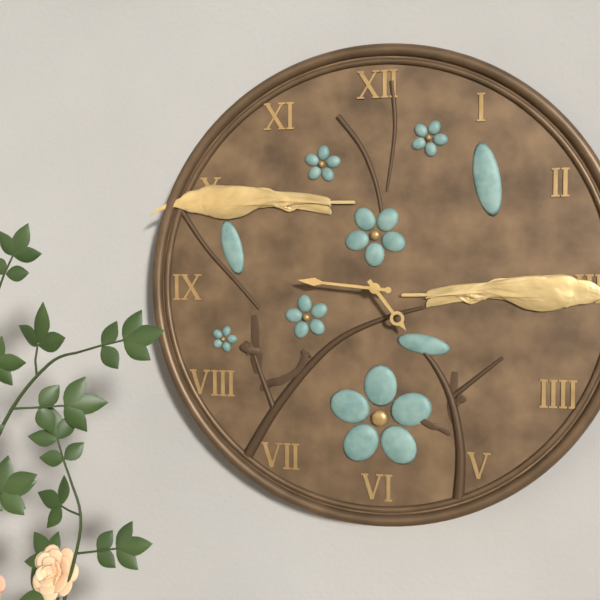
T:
4:46
